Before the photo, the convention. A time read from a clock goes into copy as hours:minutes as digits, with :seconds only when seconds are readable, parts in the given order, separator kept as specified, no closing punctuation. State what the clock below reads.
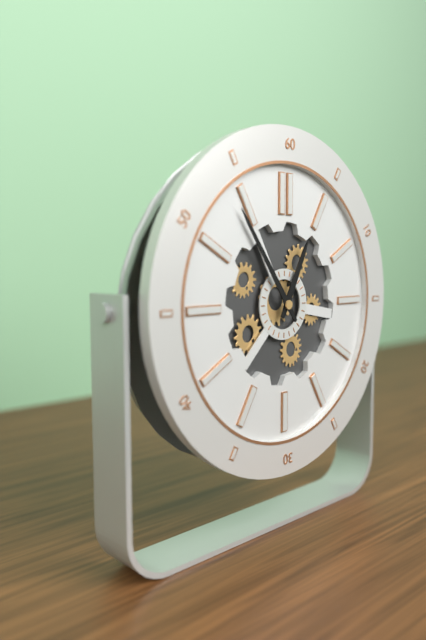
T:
12:54
